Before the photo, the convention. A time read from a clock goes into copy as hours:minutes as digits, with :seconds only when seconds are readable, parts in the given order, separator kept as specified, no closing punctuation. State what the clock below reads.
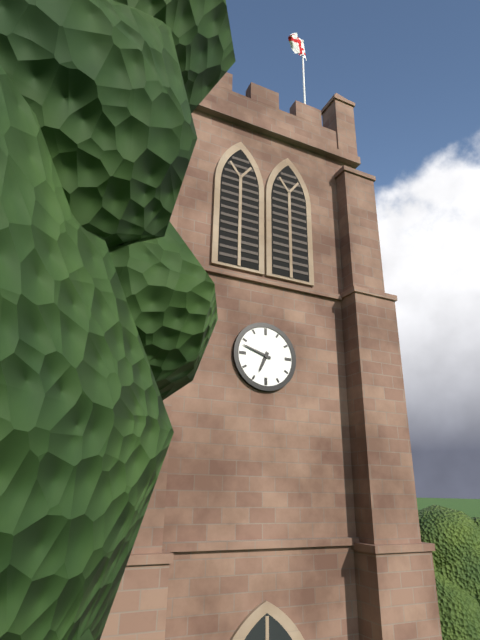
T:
6:48
